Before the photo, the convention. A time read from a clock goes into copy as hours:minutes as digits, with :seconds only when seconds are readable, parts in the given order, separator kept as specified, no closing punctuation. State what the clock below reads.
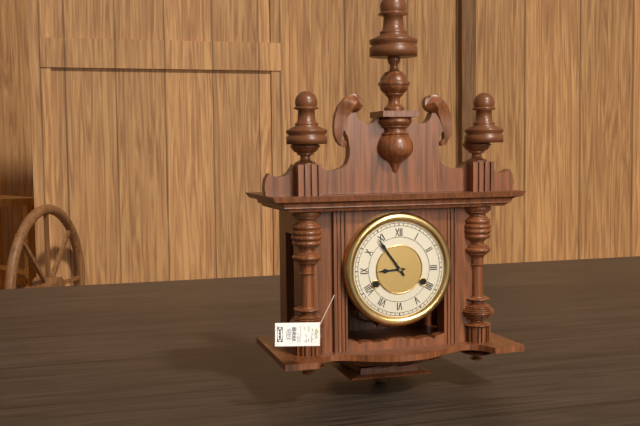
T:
8:54
